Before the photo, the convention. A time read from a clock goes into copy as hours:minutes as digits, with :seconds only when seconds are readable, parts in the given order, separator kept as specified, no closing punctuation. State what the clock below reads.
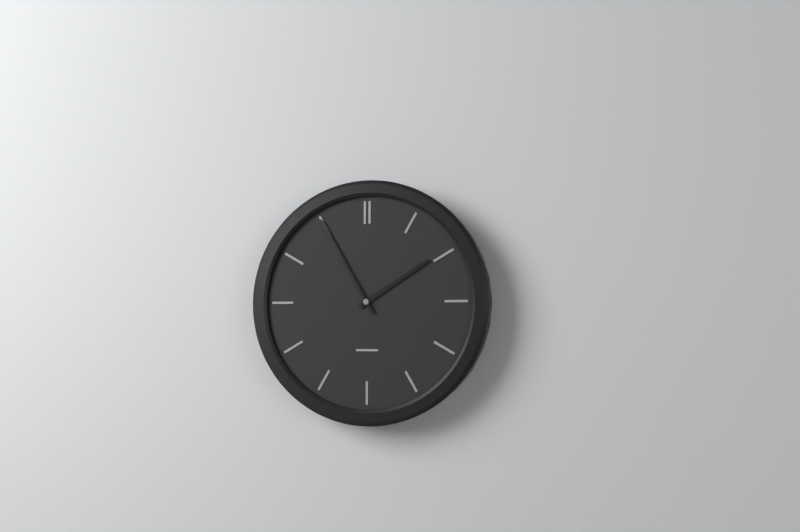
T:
1:55
